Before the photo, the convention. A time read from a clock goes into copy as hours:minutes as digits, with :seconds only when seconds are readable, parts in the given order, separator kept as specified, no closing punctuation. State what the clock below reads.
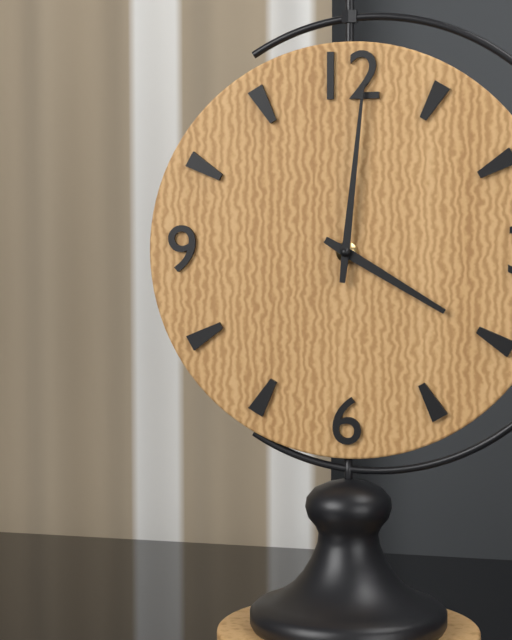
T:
4:01
